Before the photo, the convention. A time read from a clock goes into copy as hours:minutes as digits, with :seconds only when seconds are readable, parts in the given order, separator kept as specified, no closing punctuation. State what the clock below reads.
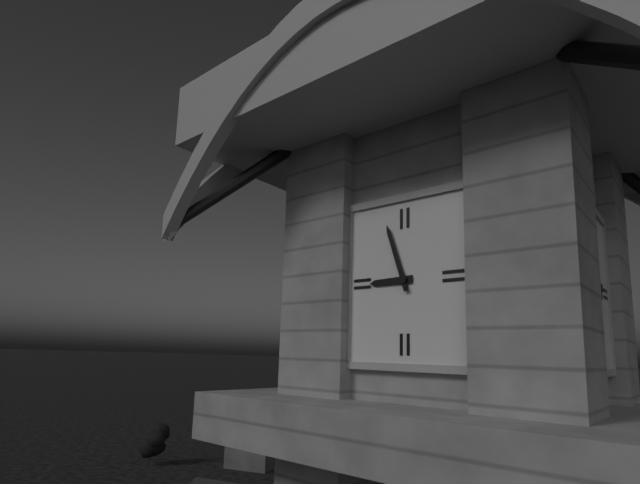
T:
8:57
